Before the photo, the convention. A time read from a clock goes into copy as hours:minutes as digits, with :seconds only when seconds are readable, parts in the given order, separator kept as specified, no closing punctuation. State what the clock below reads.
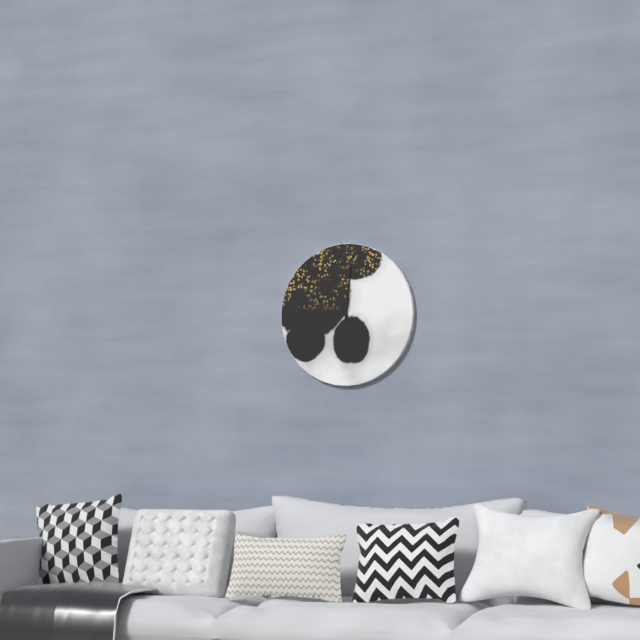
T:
11:01
